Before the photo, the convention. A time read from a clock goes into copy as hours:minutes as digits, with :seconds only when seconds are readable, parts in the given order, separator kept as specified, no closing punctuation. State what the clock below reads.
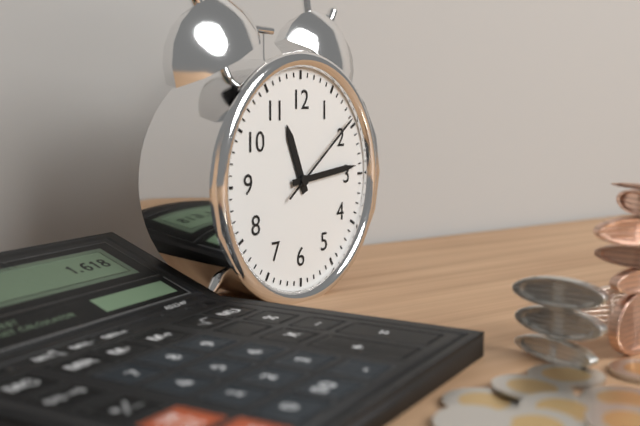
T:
11:14:09
